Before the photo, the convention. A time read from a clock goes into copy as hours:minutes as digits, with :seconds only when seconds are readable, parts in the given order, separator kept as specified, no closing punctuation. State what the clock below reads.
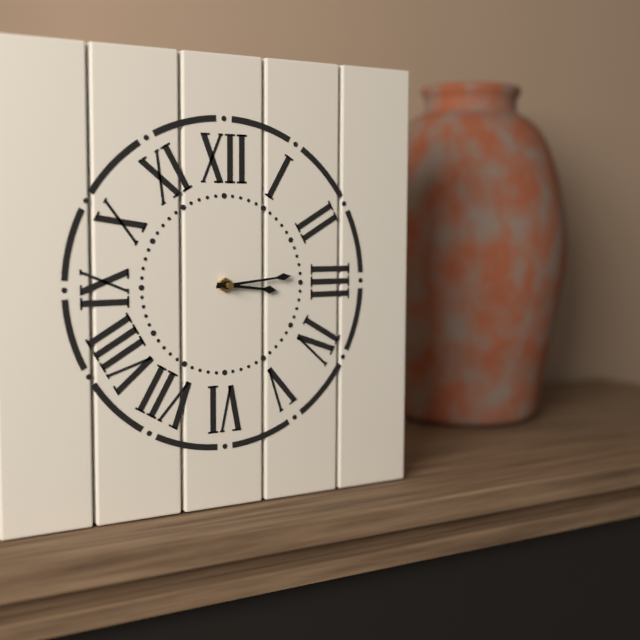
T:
3:14
